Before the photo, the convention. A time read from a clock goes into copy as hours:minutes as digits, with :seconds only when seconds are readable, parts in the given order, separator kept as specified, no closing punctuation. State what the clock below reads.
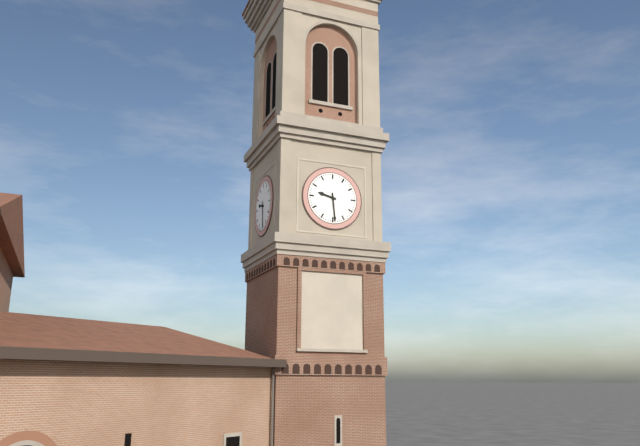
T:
9:29
